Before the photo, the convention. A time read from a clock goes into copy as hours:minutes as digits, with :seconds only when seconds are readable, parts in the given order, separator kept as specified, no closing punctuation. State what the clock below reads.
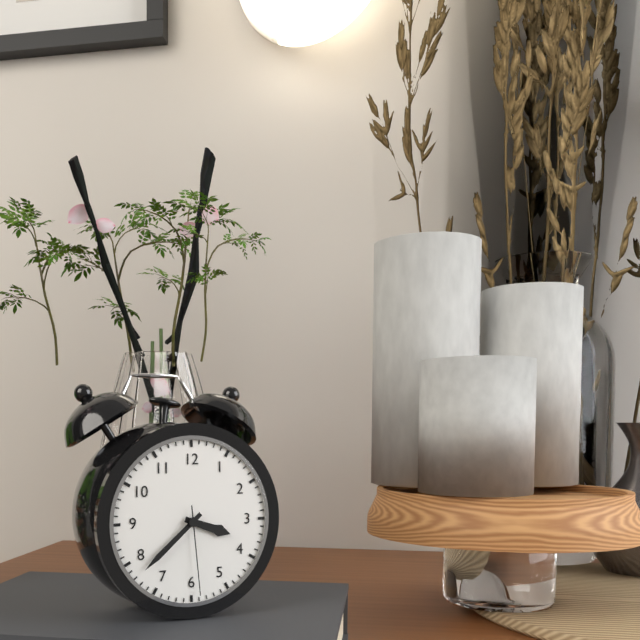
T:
3:38:29
